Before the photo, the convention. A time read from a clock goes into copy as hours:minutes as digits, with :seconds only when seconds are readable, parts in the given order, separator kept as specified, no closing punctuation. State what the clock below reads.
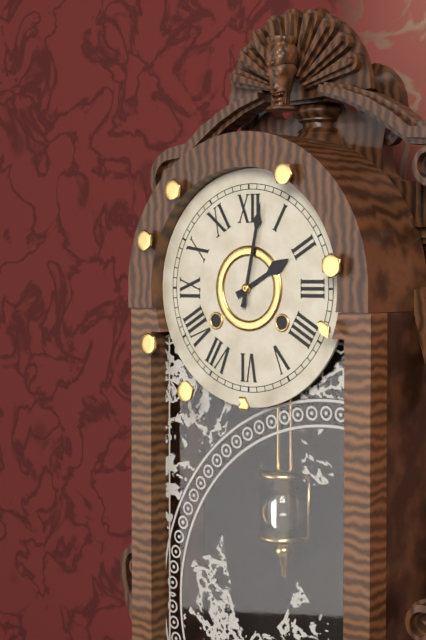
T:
2:02
